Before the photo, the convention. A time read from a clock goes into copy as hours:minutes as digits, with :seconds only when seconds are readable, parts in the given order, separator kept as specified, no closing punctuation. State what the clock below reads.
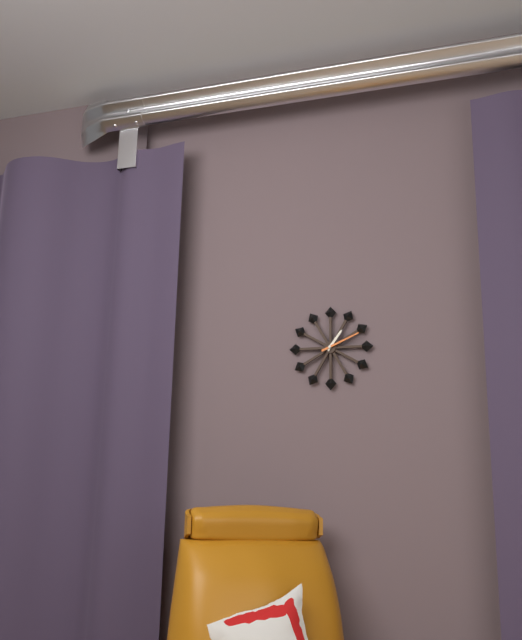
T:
1:11
